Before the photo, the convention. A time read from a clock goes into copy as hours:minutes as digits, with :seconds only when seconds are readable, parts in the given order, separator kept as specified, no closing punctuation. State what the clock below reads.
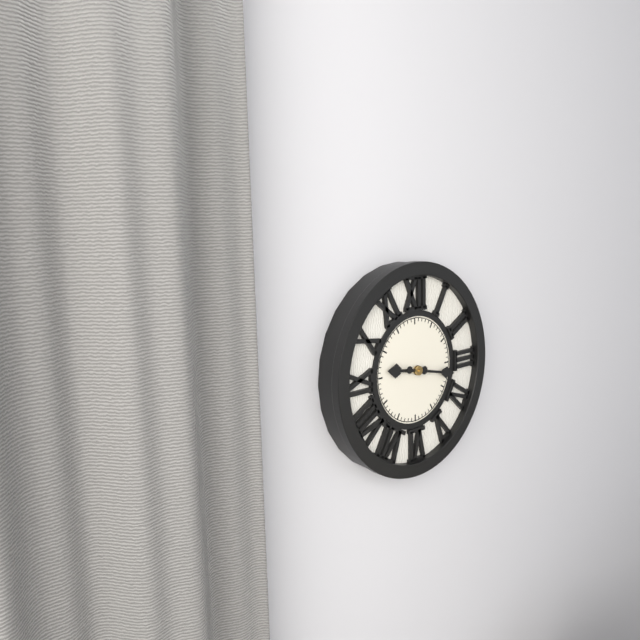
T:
9:17
